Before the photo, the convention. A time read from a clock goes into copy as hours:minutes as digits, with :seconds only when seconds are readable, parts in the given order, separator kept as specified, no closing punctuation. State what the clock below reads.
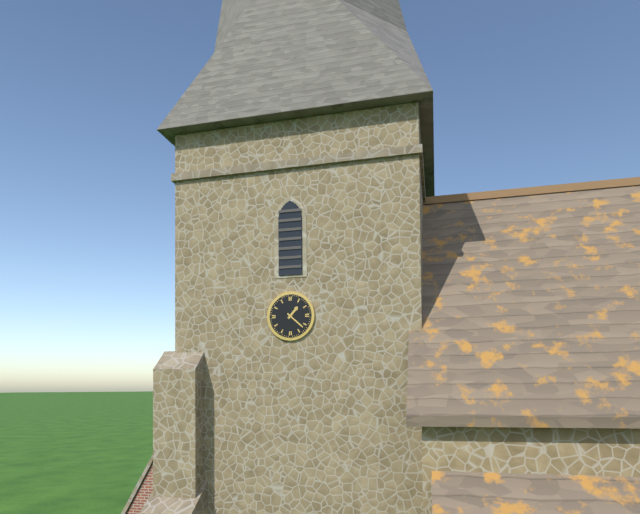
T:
1:22
